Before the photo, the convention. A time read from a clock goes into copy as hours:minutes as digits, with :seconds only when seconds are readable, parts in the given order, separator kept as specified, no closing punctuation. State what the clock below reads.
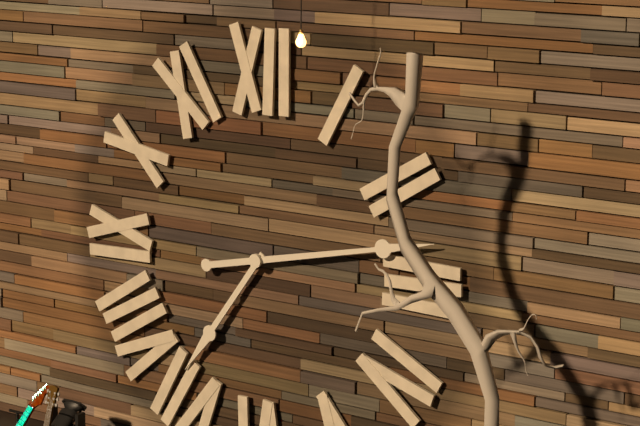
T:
7:13
